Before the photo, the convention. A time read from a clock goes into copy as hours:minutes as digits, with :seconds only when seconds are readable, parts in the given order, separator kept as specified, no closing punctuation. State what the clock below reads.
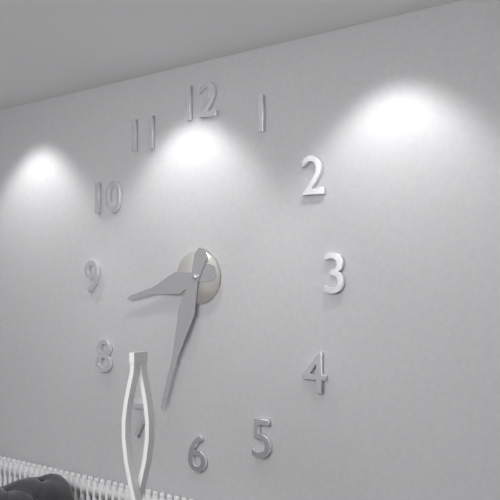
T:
8:33
